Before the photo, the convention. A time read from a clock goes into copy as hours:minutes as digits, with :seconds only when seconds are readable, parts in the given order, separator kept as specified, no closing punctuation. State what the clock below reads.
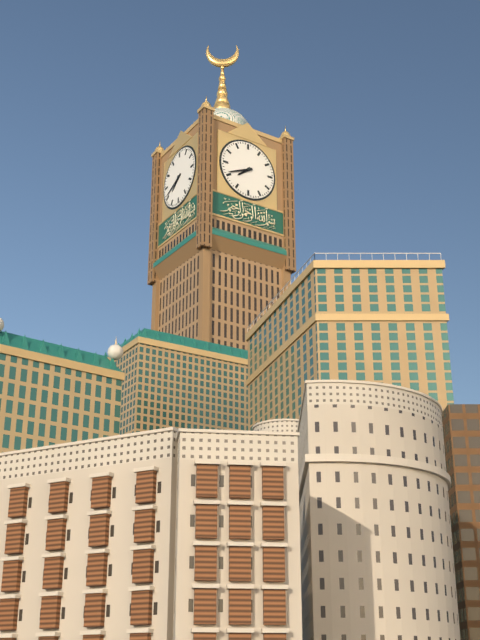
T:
7:41
